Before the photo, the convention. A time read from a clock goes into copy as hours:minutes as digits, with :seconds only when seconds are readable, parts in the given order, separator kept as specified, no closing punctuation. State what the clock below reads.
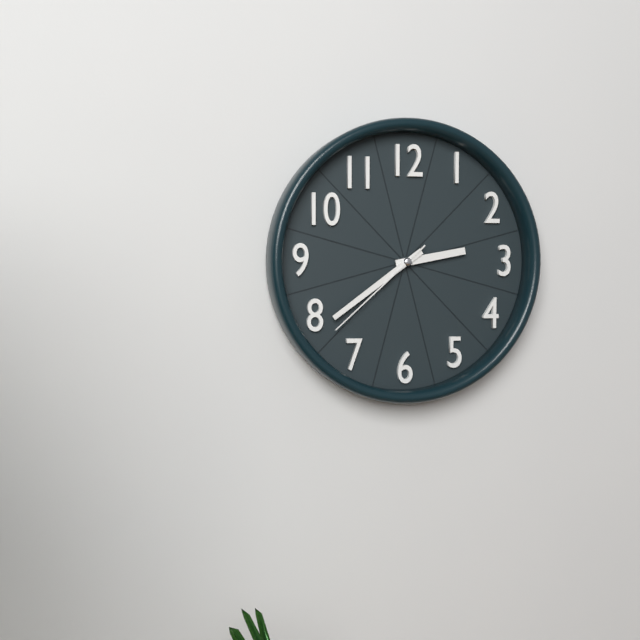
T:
2:39:38
